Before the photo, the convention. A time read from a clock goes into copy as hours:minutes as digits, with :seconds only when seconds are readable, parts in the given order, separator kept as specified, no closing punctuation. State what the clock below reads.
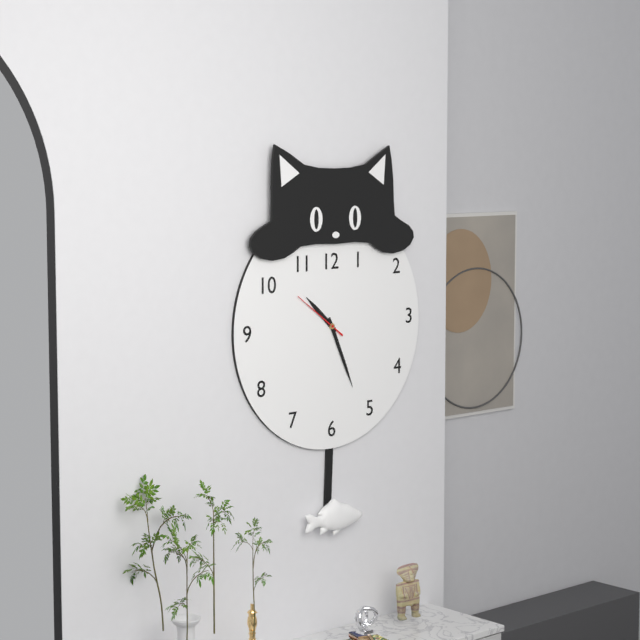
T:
10:26:51
